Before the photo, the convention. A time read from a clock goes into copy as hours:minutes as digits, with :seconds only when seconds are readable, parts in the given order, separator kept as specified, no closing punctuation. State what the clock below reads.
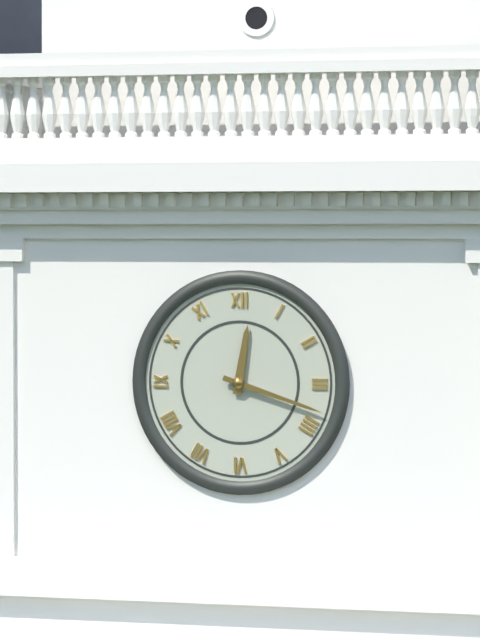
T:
12:18
